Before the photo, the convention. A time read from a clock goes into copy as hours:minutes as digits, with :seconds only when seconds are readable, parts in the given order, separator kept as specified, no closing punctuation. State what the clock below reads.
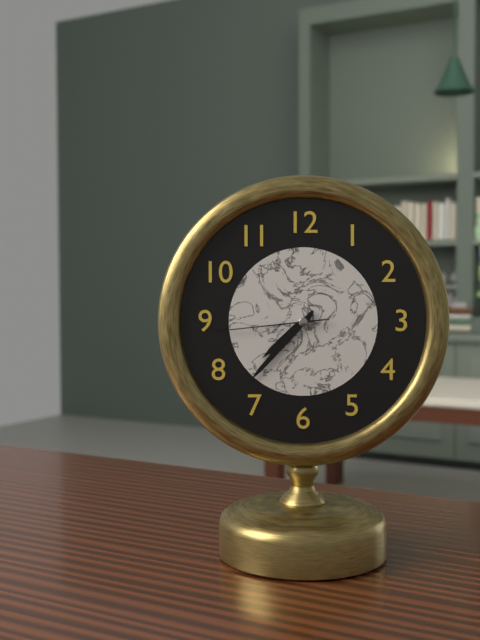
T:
7:37:44
